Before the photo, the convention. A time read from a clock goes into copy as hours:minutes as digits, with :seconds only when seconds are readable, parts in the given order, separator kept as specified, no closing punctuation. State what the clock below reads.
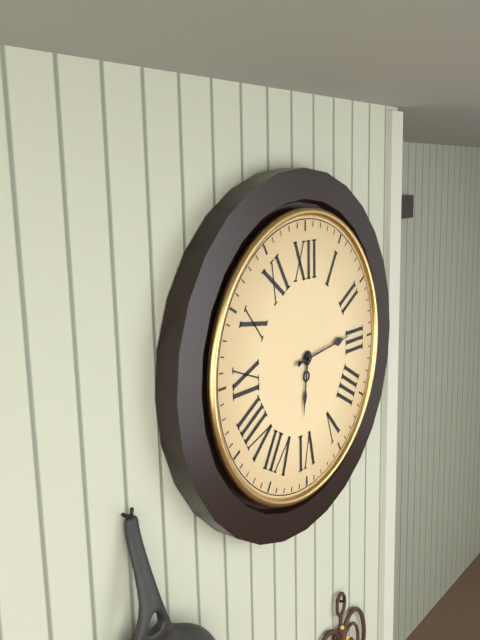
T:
6:14
